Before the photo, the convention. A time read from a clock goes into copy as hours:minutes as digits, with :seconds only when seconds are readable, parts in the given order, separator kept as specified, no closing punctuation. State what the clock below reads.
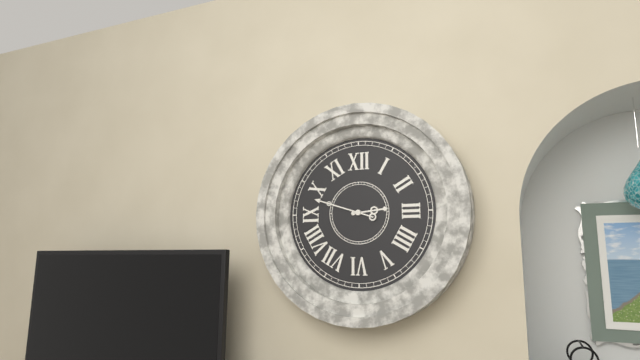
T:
2:48
